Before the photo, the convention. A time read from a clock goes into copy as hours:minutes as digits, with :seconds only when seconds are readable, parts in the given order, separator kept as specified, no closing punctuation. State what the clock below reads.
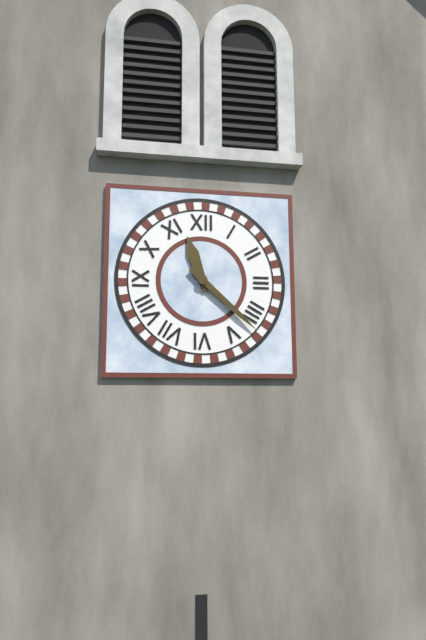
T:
11:22
